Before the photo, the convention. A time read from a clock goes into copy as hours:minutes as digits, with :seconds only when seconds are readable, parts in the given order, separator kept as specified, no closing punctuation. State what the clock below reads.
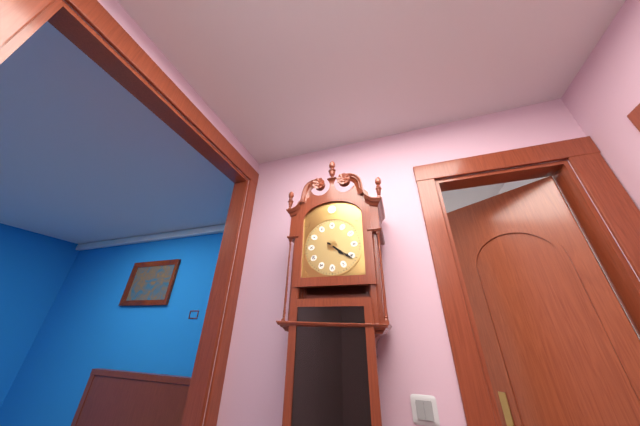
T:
4:21
